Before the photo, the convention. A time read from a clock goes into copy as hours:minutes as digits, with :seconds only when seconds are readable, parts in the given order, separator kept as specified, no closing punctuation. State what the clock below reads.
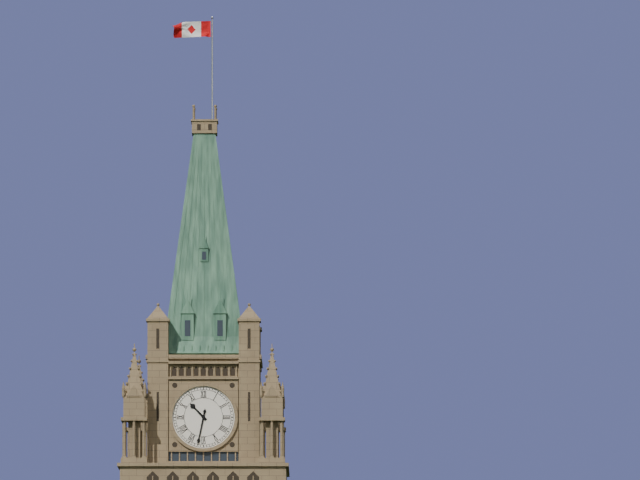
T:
10:32
